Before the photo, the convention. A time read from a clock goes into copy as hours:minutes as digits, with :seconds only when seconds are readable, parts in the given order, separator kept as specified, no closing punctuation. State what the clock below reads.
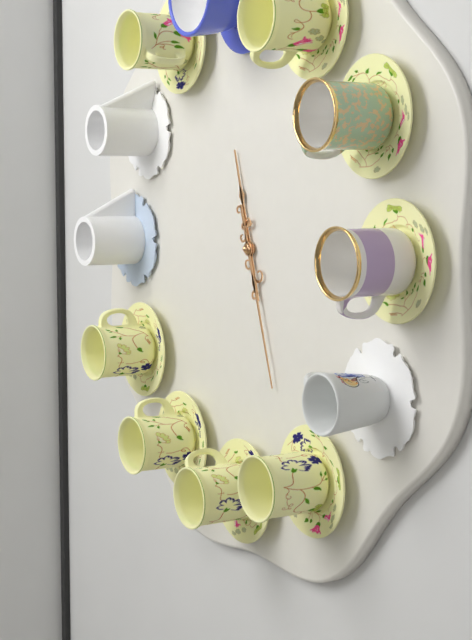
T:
11:27
